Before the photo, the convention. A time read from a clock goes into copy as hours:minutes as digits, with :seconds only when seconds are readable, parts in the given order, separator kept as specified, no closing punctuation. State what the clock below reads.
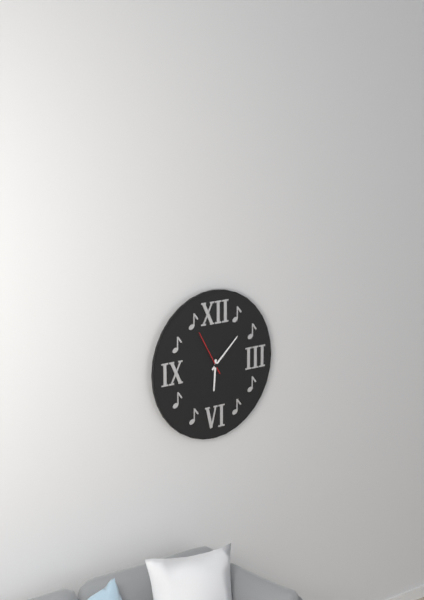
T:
6:08
